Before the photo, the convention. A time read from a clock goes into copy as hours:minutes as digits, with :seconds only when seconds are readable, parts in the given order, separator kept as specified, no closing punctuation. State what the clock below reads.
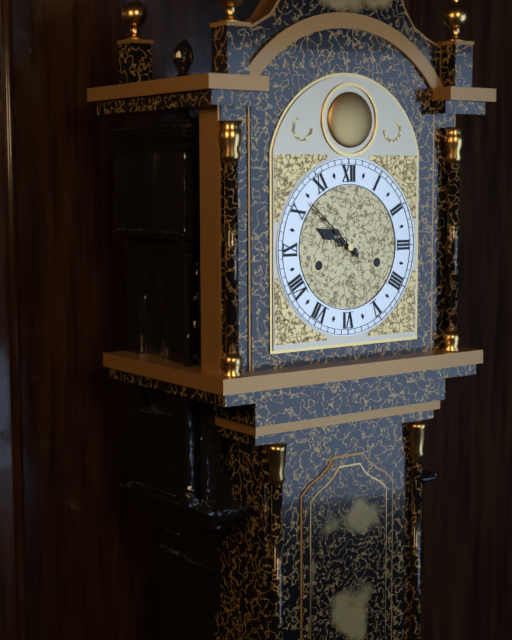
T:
9:52
